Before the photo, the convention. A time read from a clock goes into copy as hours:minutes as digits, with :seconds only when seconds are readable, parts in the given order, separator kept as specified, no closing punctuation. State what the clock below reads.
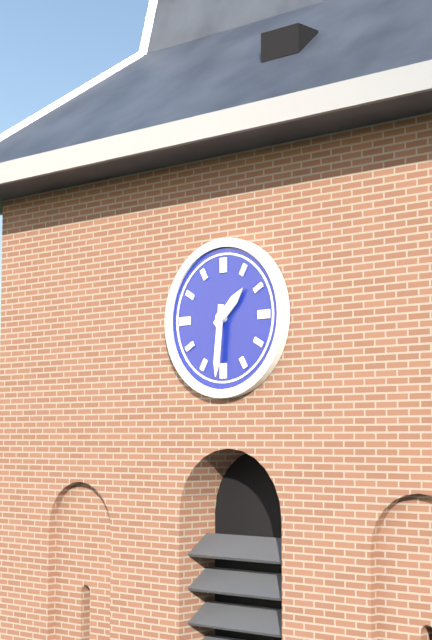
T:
1:31
